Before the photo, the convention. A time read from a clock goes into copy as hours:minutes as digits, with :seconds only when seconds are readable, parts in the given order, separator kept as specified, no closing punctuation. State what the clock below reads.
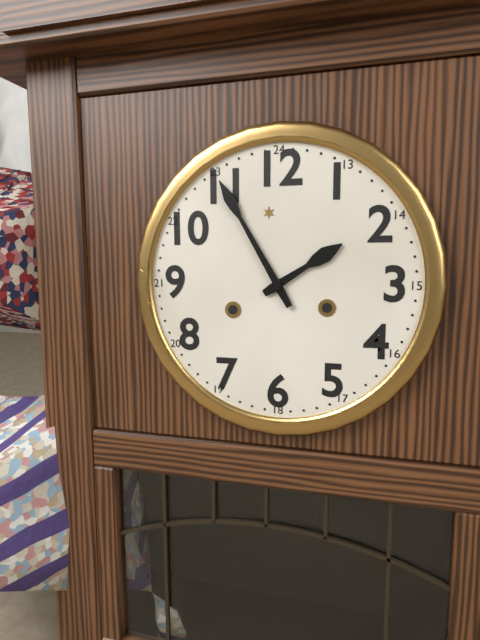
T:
1:55
